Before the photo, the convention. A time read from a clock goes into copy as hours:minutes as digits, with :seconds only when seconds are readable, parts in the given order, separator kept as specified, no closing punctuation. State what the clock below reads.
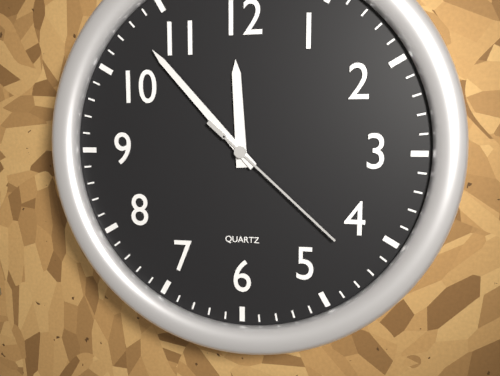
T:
11:53:22
